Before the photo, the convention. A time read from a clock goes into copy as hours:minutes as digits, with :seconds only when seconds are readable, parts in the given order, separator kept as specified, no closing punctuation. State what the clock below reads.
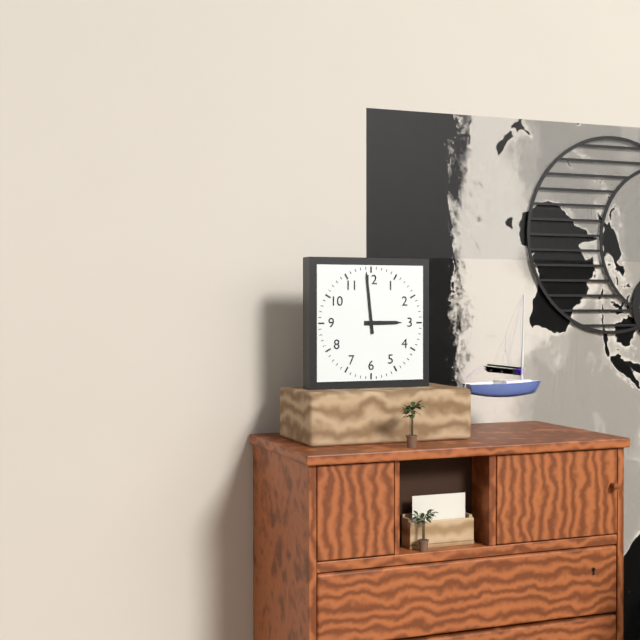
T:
2:59
